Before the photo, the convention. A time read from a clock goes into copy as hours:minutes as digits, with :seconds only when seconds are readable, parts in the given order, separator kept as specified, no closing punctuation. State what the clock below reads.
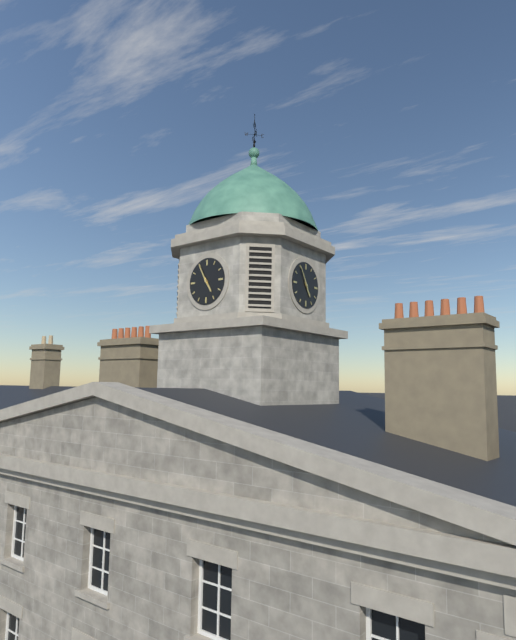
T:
4:55
